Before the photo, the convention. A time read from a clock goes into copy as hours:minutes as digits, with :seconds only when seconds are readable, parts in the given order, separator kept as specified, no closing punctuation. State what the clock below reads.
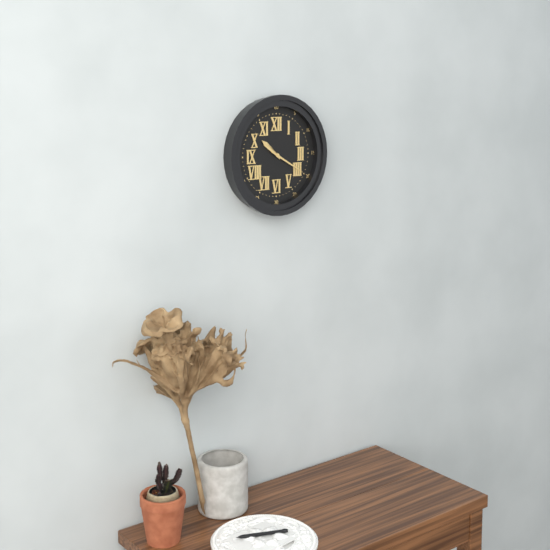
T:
10:20
